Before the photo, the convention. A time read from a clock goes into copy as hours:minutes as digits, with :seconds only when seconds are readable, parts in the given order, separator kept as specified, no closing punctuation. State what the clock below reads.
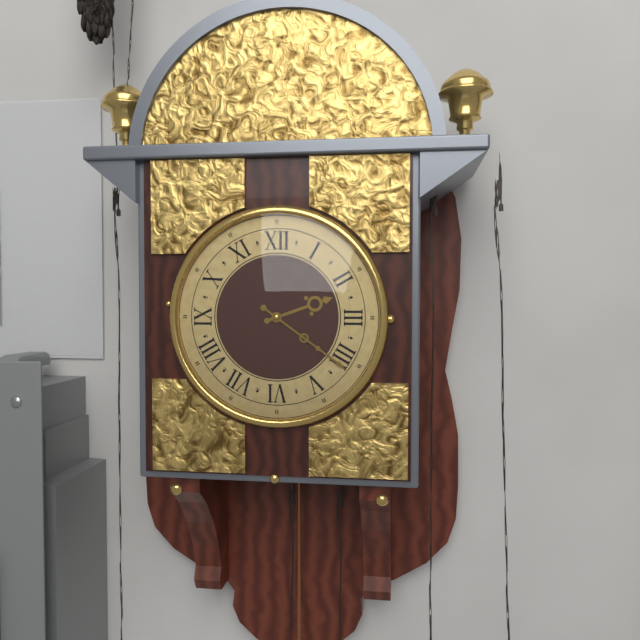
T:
2:21
